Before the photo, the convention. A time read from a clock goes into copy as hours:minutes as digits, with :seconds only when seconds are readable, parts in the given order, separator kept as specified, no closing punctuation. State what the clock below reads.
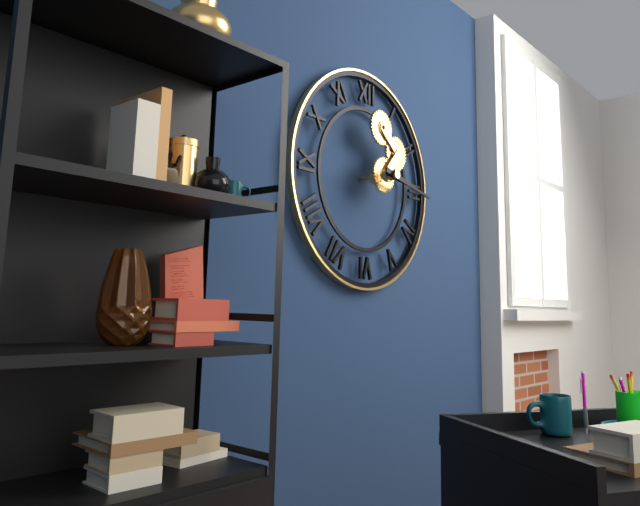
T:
3:17
